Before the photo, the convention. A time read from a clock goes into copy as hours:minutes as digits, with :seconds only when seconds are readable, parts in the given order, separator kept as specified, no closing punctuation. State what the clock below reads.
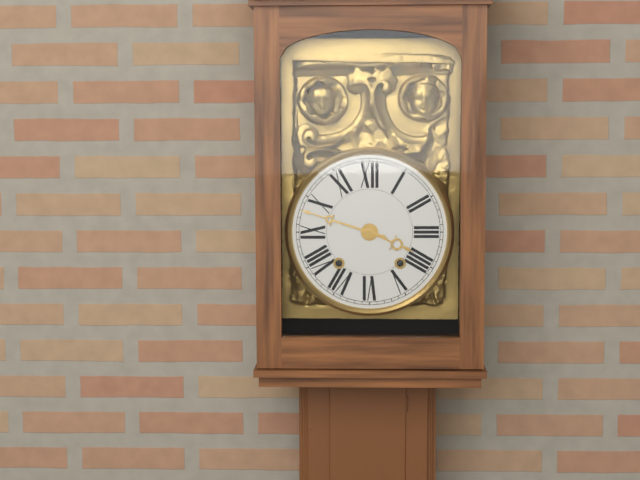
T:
3:48
